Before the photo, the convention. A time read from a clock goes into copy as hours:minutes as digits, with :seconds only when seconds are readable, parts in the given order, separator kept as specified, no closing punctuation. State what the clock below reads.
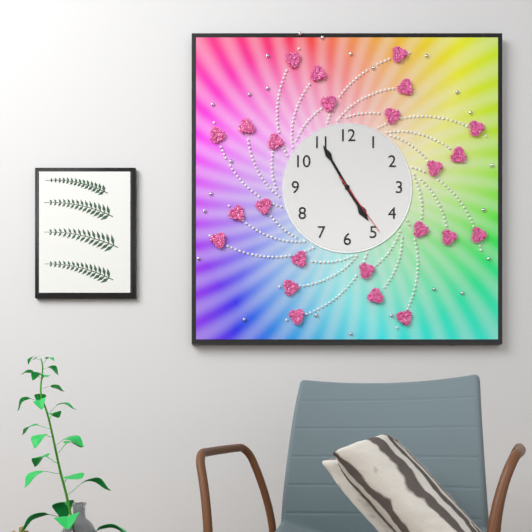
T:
4:55:24
